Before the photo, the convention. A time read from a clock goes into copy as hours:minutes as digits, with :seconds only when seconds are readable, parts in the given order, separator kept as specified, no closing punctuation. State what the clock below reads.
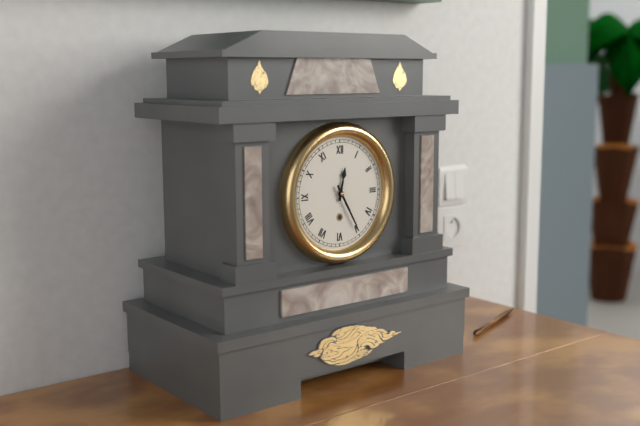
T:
12:25
